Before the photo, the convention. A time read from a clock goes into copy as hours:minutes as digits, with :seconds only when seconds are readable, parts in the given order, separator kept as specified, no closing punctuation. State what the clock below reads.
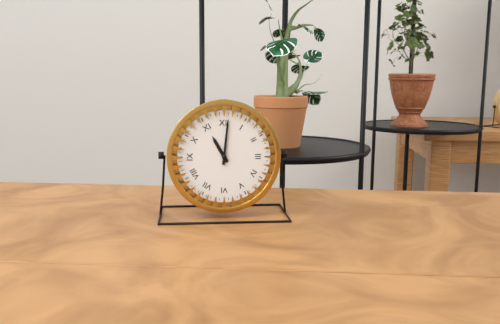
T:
11:01
